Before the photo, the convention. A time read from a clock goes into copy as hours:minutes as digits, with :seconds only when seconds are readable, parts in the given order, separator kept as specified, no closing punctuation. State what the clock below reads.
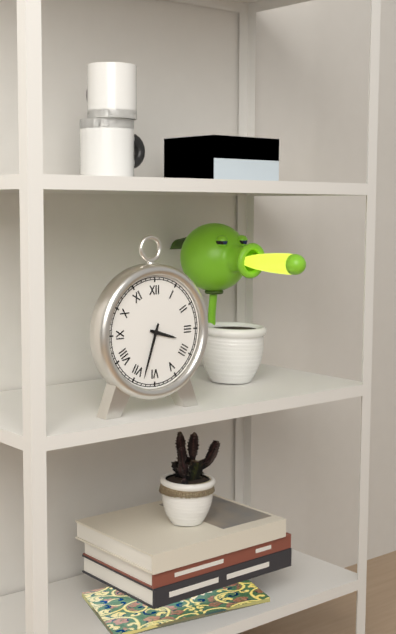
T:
3:33
